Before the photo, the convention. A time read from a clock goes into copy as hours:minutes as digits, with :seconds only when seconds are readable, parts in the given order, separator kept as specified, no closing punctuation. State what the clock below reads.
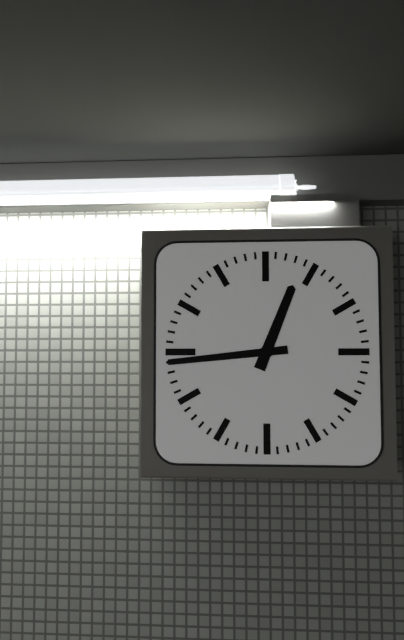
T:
12:44
